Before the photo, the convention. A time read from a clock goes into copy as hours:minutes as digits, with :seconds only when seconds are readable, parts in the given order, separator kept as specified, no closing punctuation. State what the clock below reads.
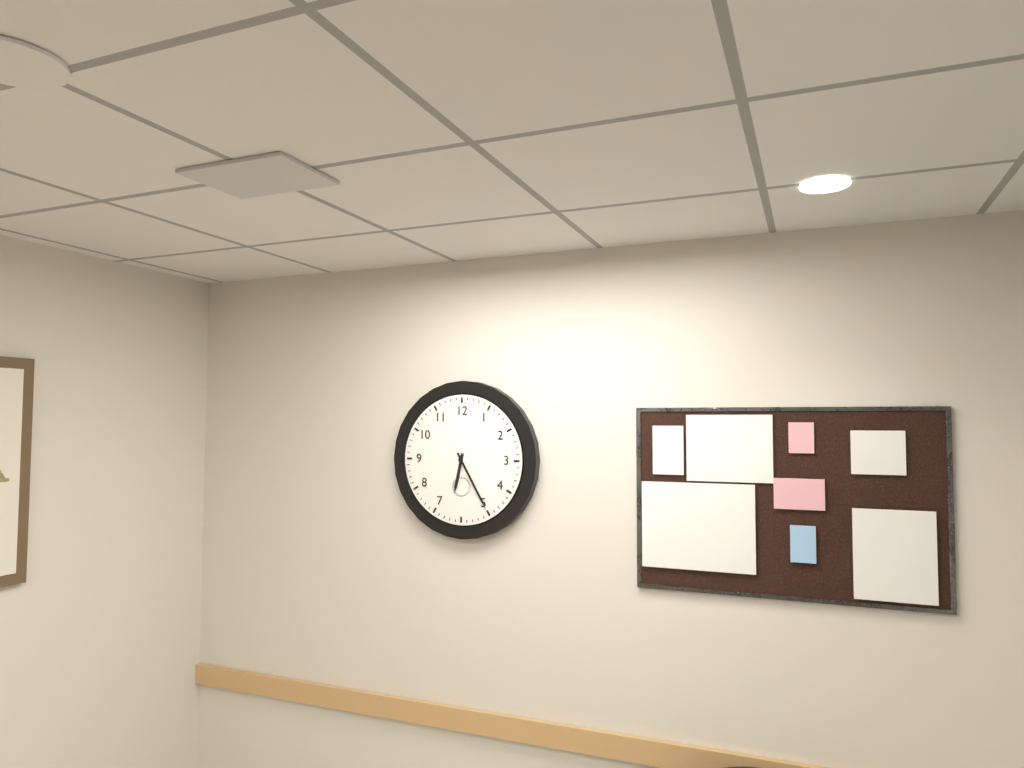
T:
6:25
